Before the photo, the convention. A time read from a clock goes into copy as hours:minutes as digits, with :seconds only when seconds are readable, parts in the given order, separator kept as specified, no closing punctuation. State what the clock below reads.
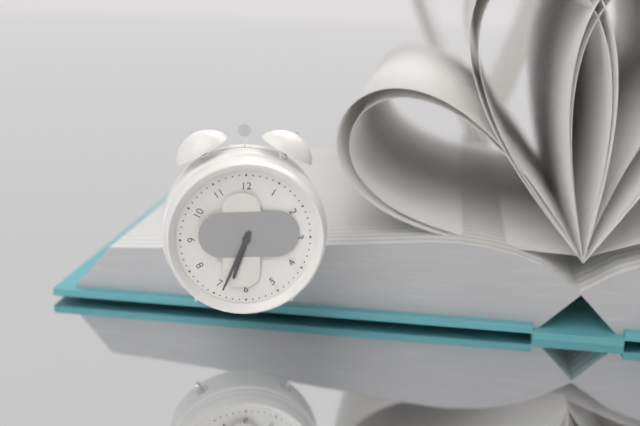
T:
6:34
